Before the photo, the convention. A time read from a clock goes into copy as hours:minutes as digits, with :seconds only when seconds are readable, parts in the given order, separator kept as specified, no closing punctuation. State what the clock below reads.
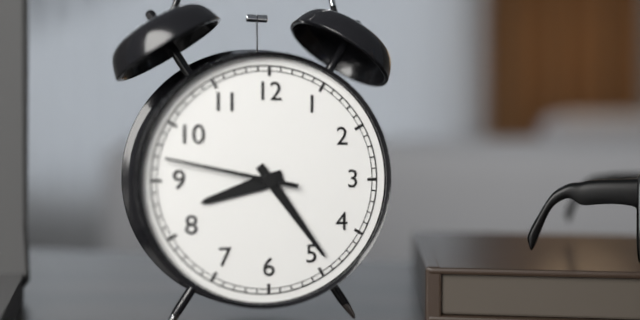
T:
8:24:47
